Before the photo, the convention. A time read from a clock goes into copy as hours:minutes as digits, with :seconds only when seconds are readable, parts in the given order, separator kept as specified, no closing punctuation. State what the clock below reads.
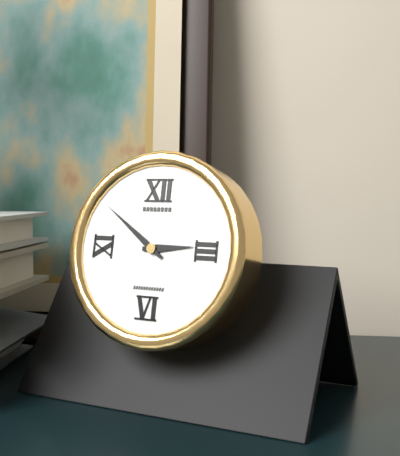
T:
2:51
